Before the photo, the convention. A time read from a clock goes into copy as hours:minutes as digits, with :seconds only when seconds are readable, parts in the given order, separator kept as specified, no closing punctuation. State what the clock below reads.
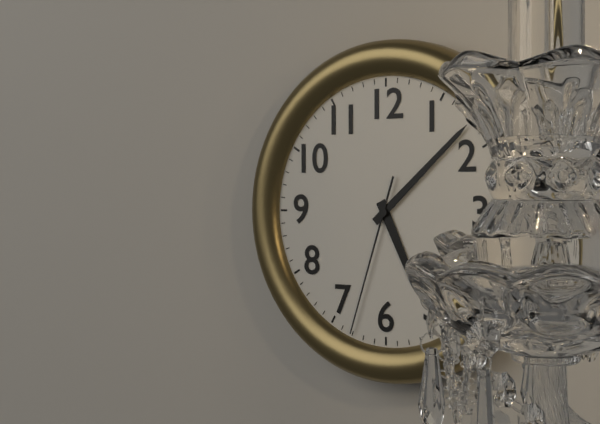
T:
5:08:33
